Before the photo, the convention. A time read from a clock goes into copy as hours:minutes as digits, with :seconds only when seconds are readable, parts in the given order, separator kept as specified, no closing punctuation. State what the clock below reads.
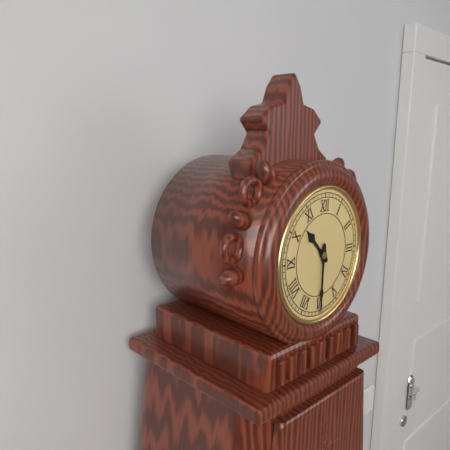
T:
10:30
